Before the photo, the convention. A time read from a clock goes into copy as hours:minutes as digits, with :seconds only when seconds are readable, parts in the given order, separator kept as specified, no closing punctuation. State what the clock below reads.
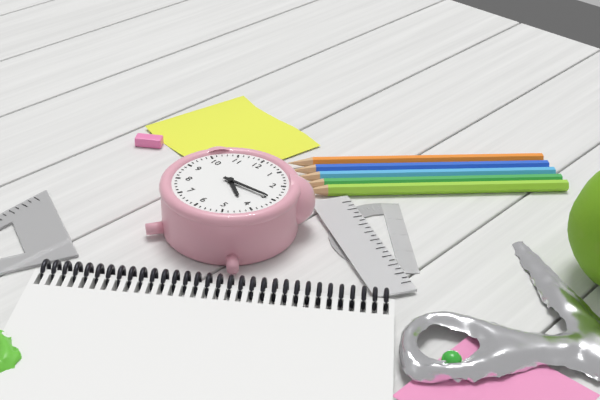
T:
4:15
